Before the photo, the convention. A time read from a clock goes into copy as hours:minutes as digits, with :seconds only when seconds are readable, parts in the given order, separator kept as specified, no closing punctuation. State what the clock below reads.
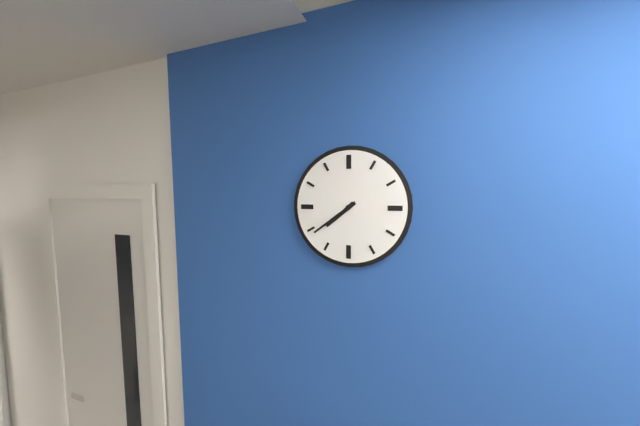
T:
7:39
